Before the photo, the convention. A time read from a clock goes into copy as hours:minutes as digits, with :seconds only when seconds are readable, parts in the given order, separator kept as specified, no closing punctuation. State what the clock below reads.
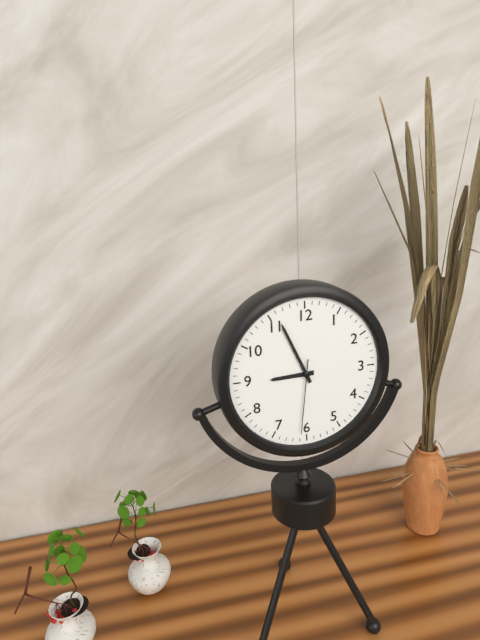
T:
8:56:31
